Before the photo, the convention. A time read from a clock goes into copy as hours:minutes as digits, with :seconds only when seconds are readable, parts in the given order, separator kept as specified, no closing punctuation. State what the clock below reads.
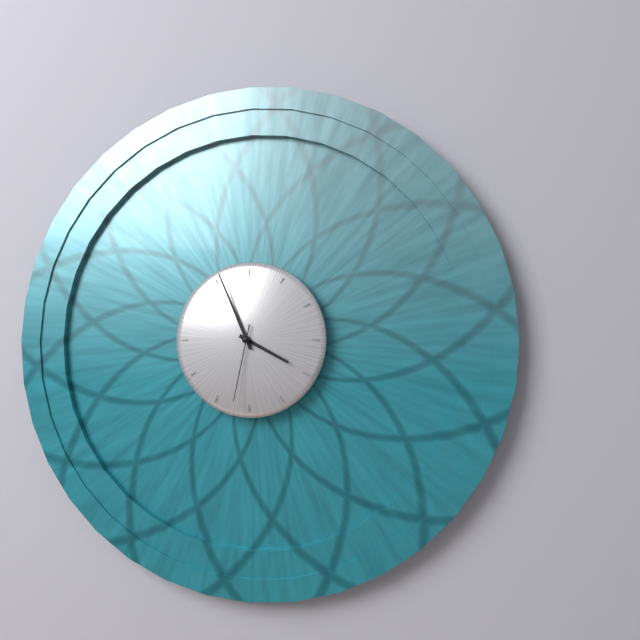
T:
3:56:32
